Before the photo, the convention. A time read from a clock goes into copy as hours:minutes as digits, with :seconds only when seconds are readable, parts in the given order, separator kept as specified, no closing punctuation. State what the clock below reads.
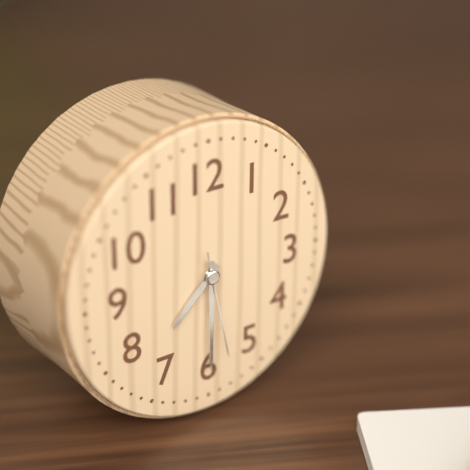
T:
7:30:28
